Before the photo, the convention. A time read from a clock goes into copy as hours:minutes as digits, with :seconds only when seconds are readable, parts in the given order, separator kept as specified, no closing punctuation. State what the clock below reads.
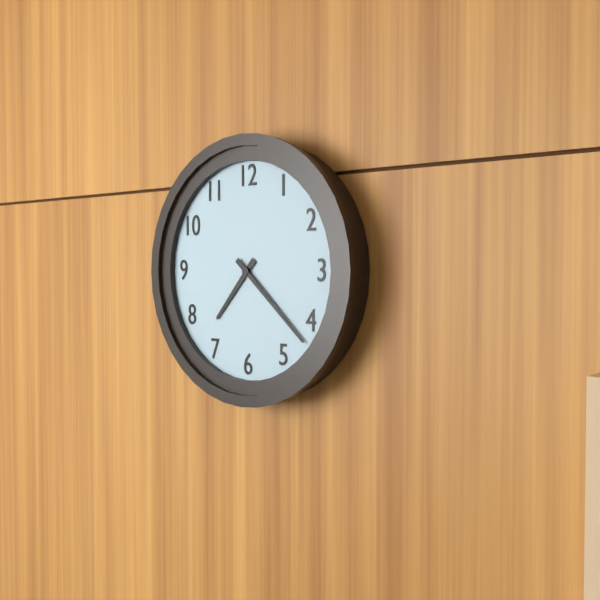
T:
7:22
